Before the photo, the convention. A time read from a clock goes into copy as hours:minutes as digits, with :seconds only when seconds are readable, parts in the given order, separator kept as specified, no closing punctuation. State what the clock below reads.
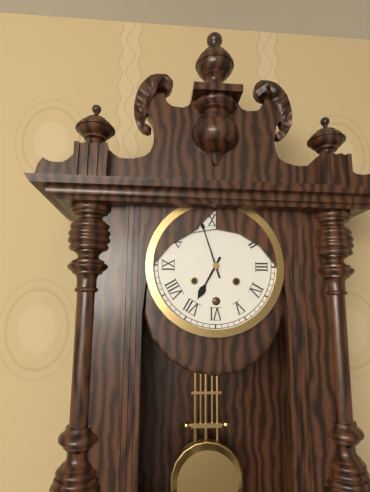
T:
6:57
